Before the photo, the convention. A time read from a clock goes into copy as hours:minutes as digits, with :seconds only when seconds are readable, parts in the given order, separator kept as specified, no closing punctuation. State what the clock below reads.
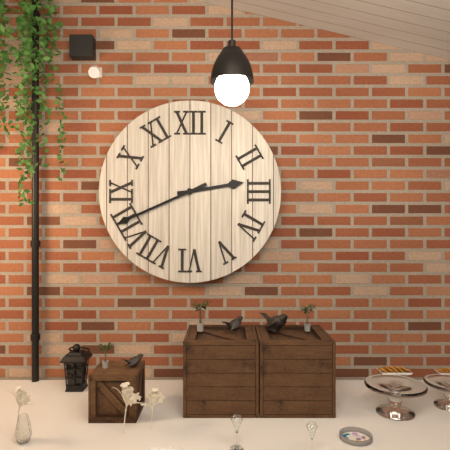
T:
2:41
